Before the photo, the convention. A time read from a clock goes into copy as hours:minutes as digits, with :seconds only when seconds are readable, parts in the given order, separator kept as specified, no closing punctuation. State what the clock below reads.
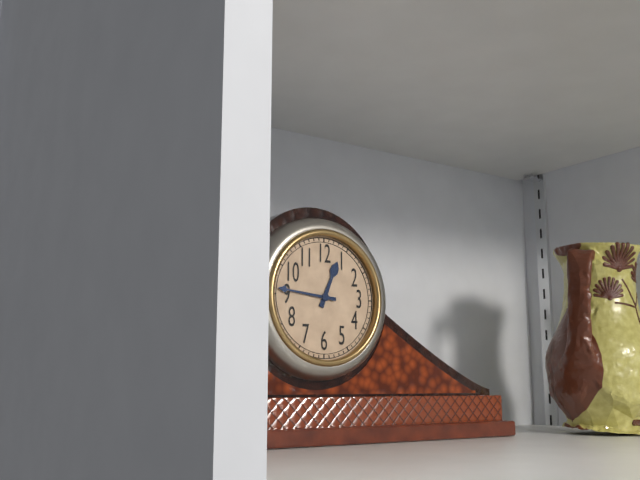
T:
12:46
